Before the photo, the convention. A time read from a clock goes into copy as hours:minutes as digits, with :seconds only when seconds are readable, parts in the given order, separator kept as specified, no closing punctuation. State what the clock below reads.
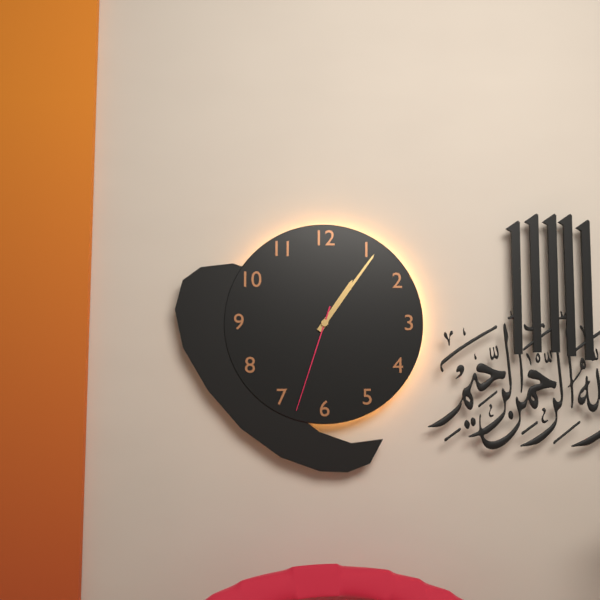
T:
1:06:33
